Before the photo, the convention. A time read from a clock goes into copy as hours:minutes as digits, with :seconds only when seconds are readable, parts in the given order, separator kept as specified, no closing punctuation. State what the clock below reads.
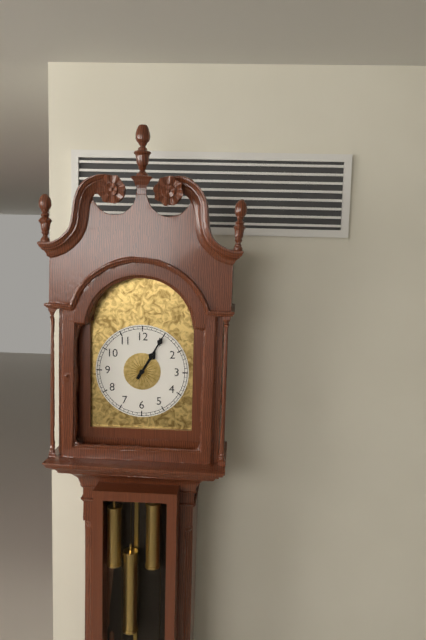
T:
1:05
